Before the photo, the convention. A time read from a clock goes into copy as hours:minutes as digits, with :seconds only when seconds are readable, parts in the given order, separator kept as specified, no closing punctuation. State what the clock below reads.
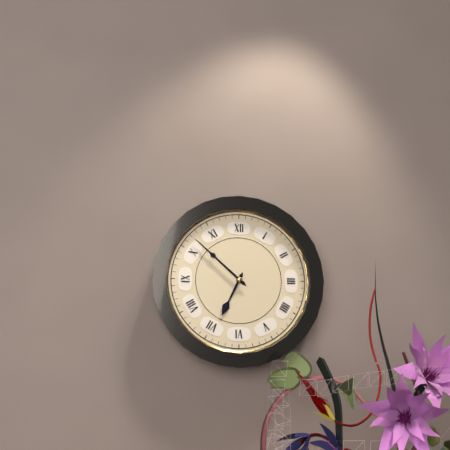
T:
6:52
